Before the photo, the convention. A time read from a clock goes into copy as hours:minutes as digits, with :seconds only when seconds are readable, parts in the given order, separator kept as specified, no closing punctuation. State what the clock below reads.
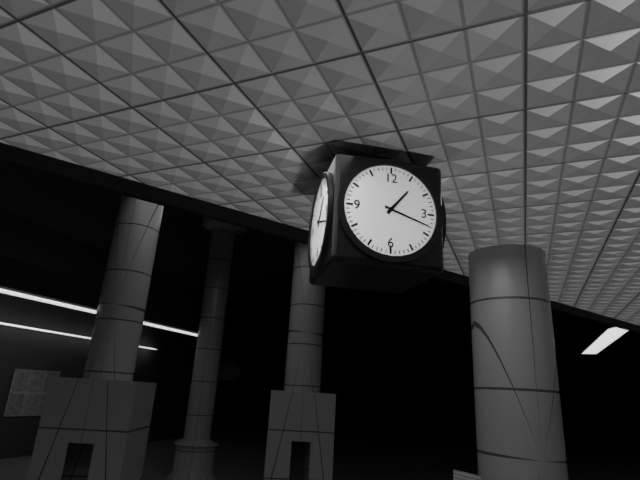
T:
1:18
